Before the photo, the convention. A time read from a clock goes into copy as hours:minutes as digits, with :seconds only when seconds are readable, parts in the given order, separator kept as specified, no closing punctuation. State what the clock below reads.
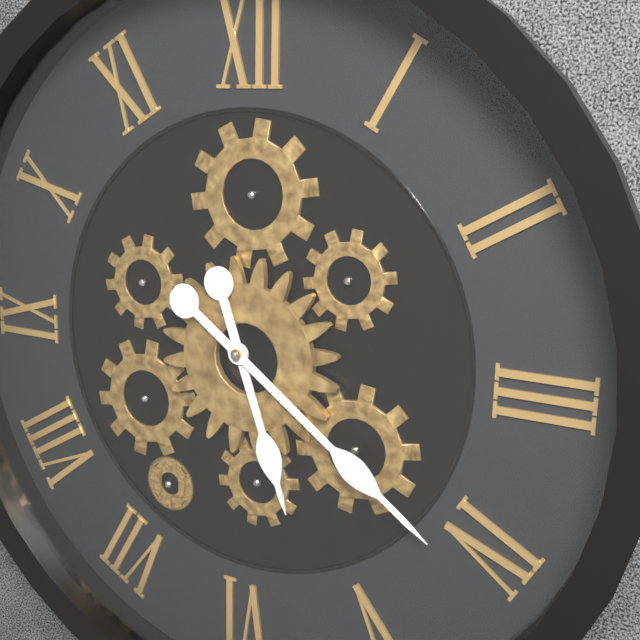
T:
5:21
